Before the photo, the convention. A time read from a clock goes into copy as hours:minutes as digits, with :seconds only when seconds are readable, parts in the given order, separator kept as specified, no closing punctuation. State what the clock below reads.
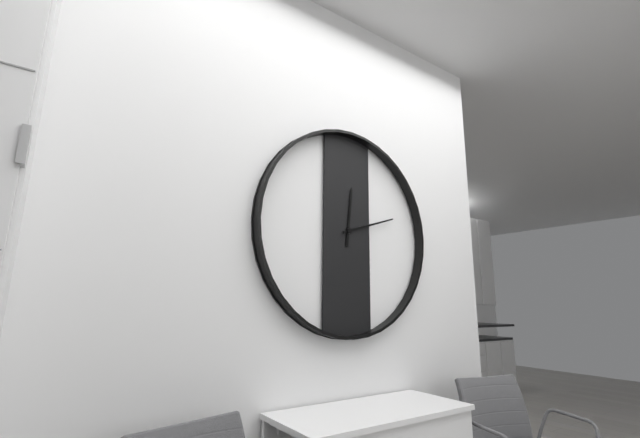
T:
12:12
